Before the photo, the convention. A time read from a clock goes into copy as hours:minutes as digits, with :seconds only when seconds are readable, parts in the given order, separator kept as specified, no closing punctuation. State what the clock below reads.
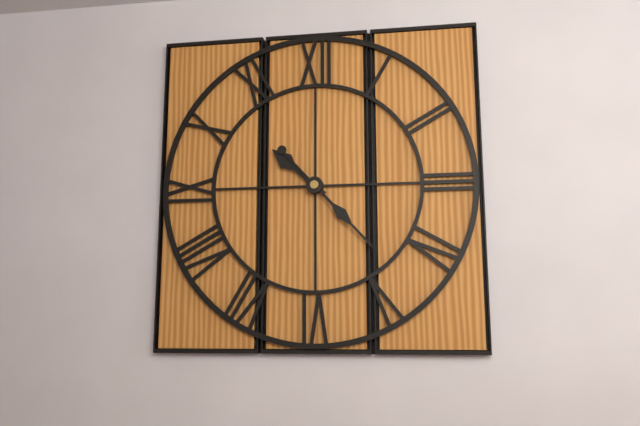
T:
10:23
